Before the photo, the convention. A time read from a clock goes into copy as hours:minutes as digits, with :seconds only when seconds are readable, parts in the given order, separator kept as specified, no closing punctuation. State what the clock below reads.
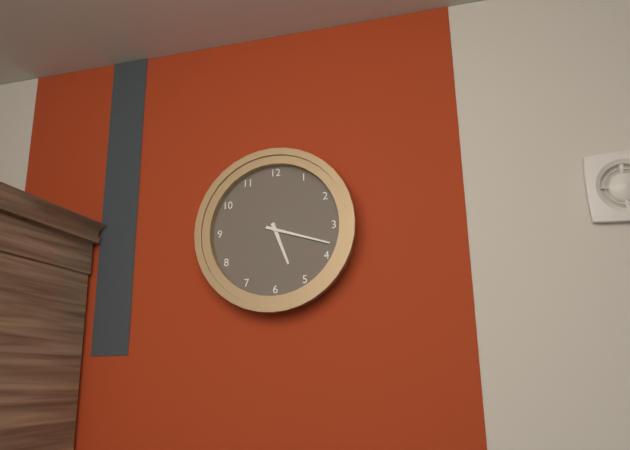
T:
5:18
